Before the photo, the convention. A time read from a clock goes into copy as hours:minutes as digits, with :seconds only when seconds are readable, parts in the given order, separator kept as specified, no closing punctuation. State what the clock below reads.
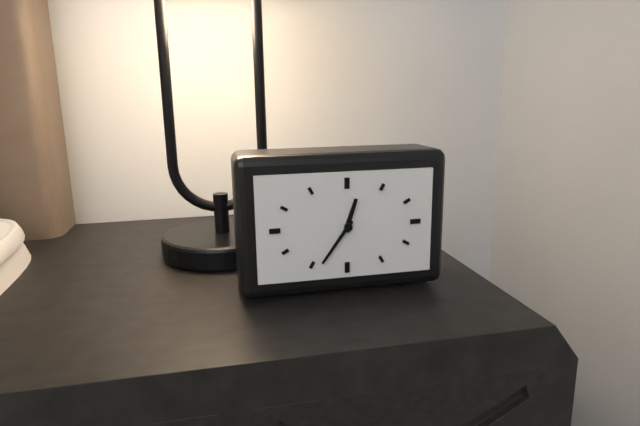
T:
12:36
